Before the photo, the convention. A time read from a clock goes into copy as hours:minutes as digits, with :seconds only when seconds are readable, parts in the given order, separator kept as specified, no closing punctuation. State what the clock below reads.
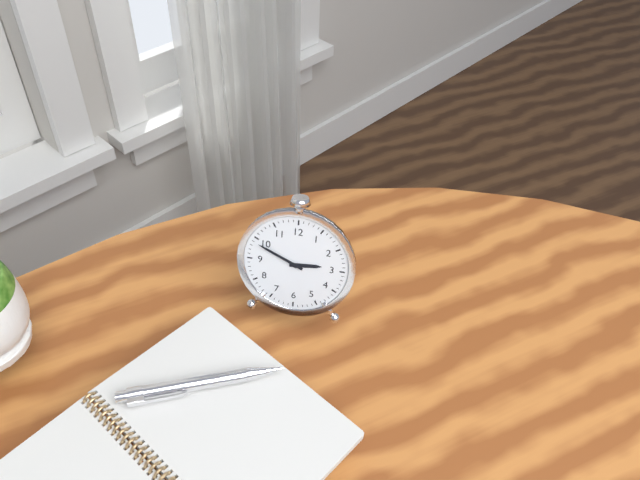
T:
2:49
